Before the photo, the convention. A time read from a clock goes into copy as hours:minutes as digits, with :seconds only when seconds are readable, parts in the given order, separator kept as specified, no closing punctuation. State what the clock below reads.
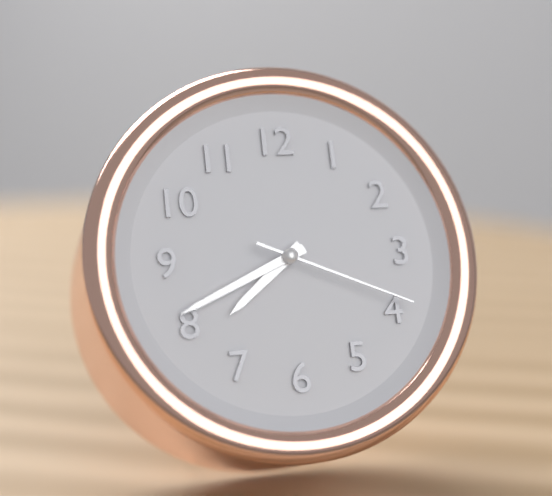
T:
7:41:19
